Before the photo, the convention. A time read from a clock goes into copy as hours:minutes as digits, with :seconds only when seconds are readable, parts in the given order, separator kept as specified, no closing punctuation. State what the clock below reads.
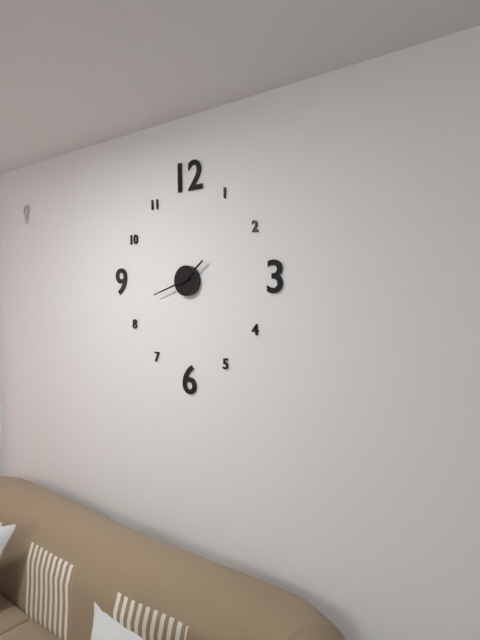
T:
1:42
